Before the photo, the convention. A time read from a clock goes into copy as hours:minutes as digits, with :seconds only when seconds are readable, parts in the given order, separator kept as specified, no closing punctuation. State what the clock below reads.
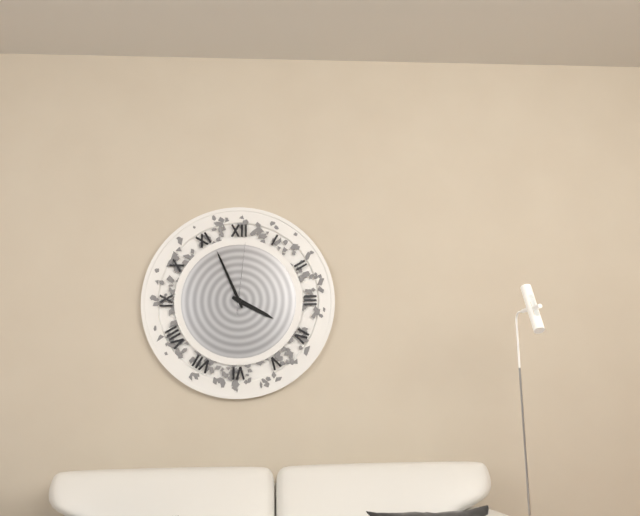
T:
3:56:01
